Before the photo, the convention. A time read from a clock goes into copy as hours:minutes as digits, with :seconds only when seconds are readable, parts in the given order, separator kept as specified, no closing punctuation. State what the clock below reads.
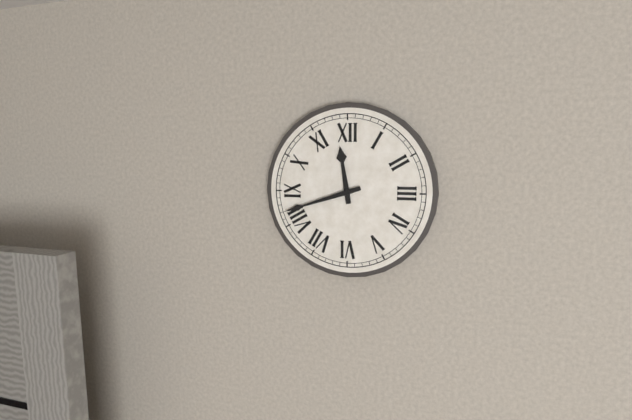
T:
11:42
